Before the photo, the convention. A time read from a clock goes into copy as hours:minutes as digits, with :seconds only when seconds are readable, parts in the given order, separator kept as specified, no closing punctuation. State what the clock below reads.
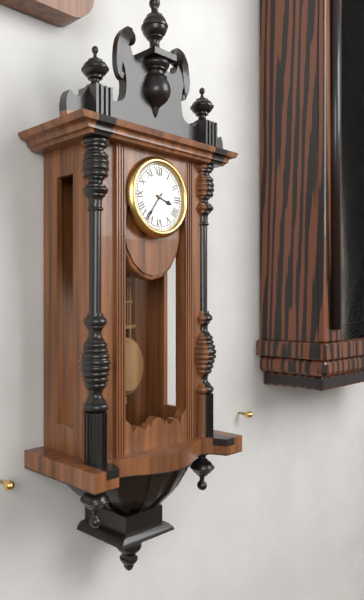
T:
3:36
